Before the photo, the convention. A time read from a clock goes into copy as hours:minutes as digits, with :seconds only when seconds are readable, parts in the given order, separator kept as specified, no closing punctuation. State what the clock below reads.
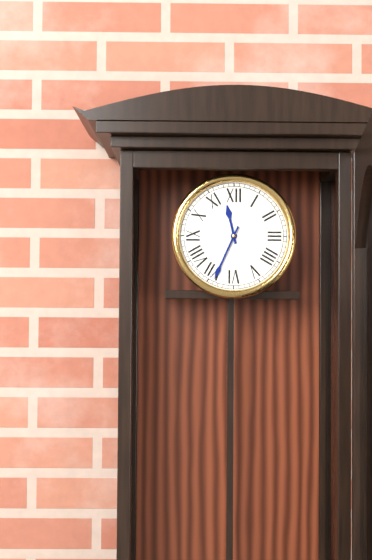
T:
11:34
